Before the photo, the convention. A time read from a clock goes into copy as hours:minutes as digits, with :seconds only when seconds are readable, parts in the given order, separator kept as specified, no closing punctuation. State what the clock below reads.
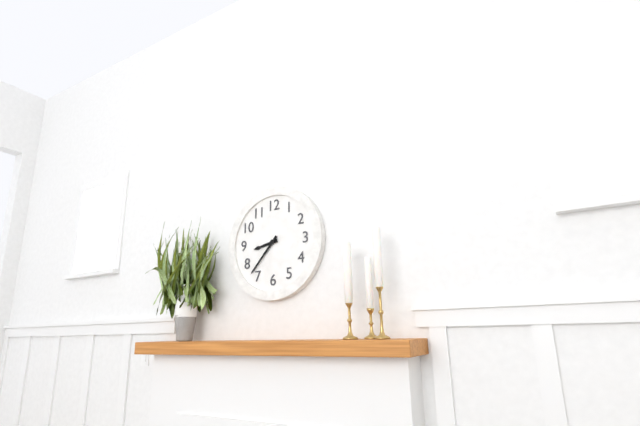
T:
8:37
